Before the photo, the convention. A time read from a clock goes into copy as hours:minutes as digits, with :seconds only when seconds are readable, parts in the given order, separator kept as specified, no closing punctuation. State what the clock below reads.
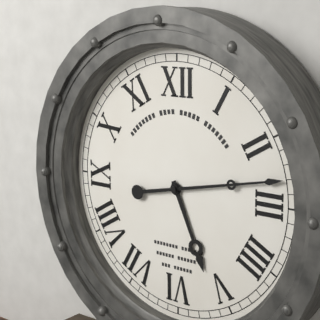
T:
5:13
